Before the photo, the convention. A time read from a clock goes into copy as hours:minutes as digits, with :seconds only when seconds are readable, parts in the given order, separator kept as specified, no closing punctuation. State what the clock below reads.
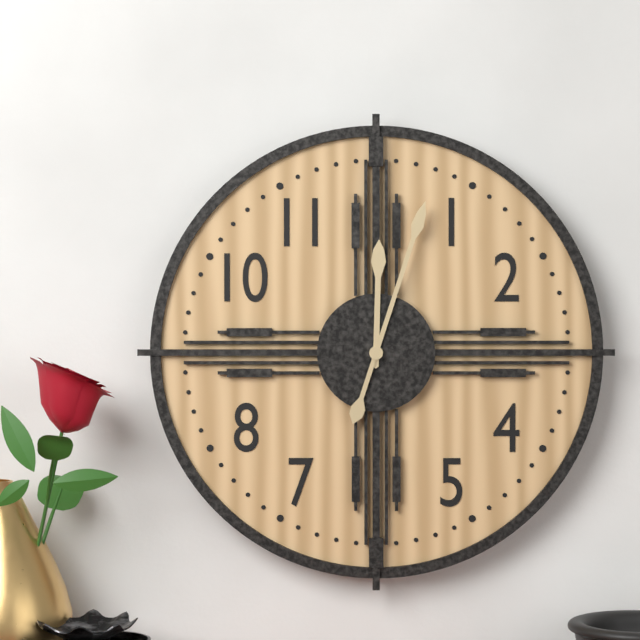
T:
12:03
